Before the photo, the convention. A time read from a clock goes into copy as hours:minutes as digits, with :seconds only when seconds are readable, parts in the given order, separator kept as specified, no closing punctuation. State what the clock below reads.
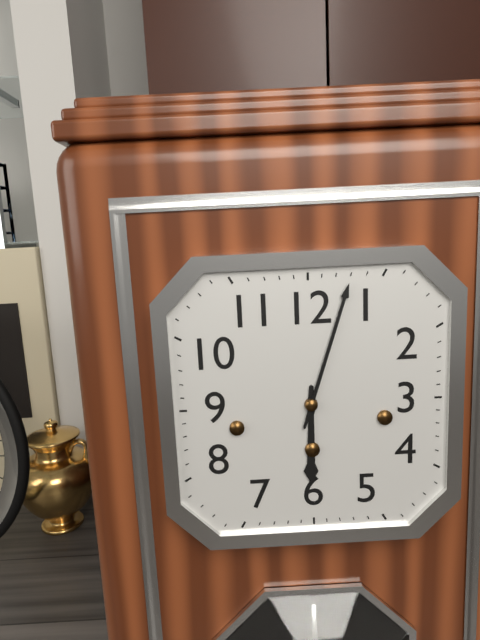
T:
6:03
